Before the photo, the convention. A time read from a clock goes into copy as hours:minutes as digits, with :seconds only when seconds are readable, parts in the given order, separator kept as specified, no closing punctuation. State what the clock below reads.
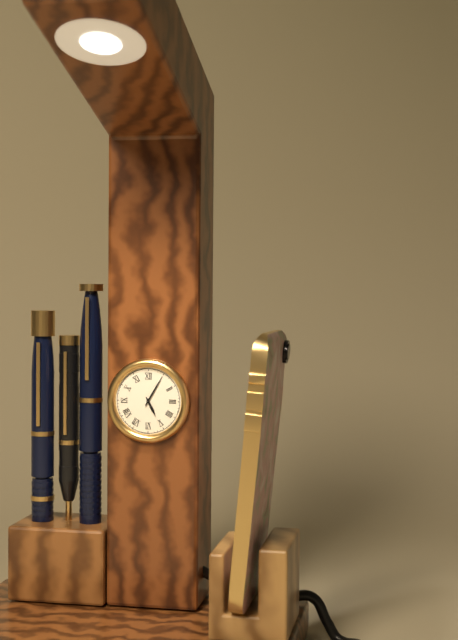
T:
5:05
